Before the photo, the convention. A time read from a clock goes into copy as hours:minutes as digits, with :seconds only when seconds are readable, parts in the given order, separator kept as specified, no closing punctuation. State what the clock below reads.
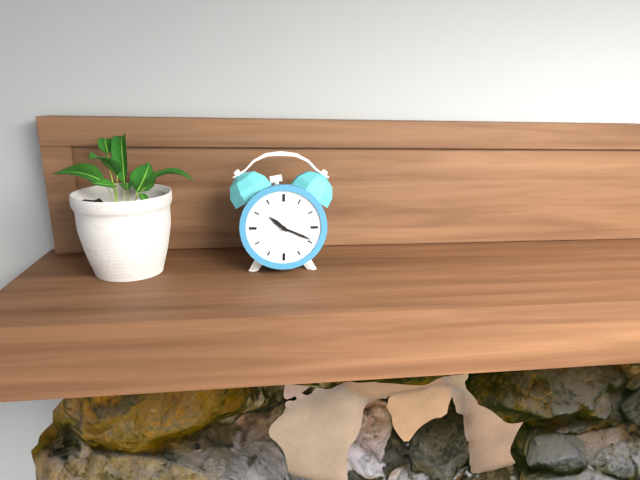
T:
10:19
